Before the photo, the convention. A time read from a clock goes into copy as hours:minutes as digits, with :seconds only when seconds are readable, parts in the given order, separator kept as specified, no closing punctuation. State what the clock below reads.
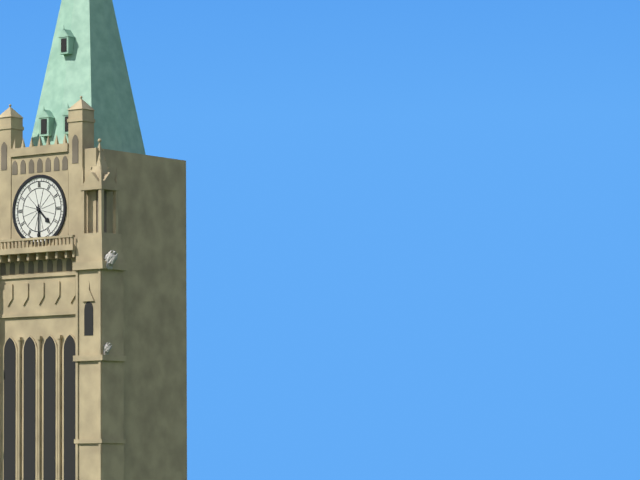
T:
4:30
